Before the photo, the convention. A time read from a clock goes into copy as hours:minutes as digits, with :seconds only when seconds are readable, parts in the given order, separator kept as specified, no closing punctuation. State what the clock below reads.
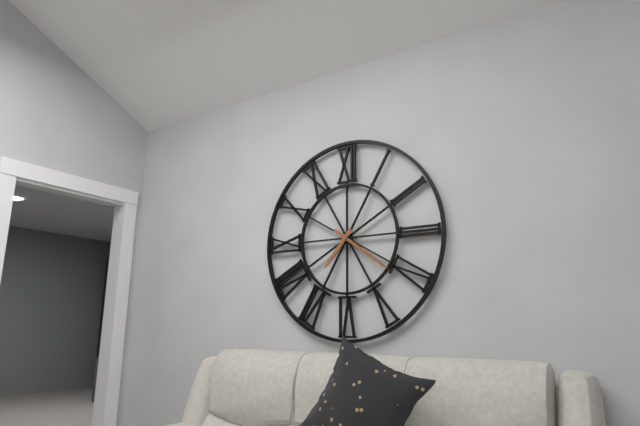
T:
7:21
